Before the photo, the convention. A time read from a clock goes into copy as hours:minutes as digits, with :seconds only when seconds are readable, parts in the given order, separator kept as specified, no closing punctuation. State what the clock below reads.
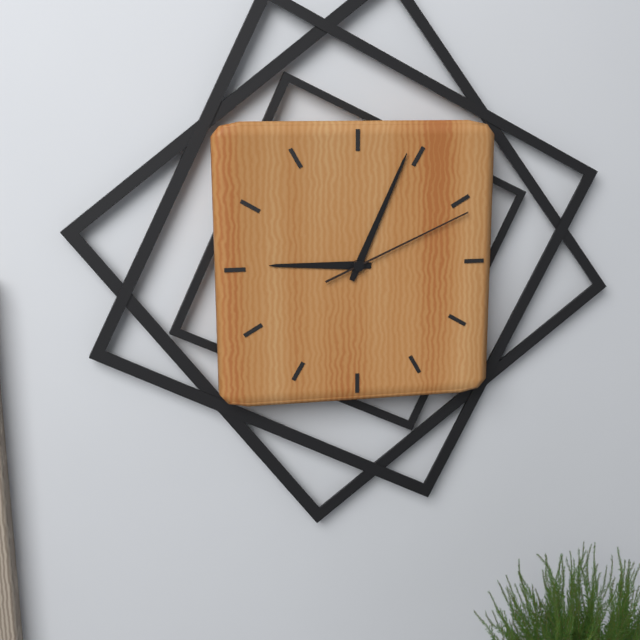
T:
9:04:11
